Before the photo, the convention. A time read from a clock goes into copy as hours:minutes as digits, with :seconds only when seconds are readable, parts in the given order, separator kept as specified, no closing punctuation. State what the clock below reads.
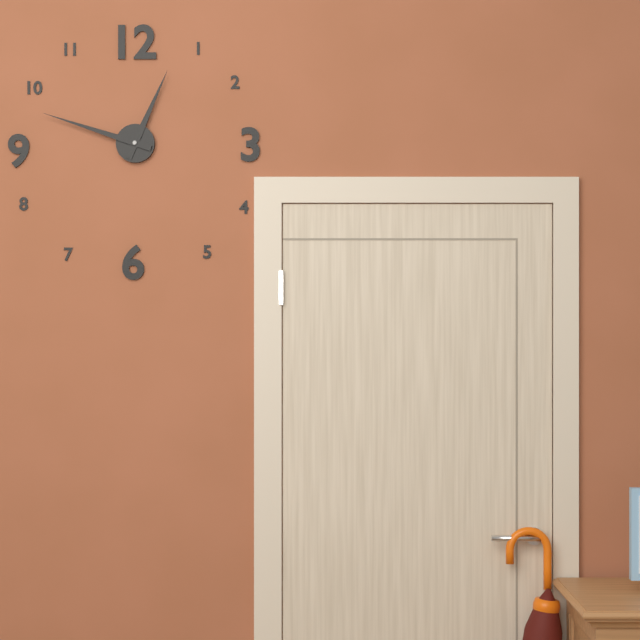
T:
12:48
